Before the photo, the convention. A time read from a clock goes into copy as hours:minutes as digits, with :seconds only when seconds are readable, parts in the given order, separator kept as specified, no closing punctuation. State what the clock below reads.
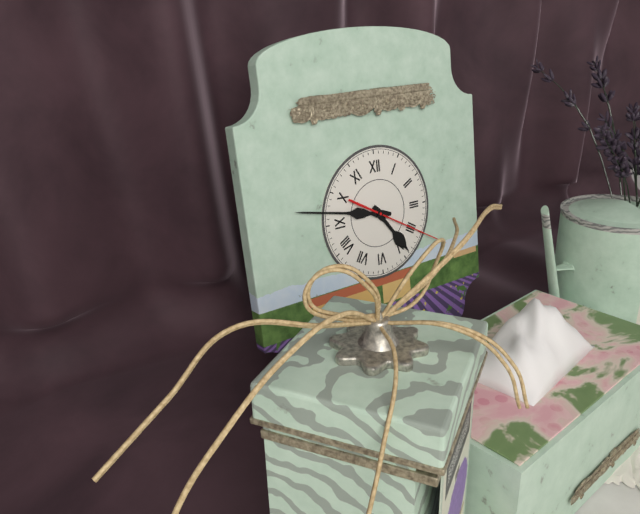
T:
4:47:20
